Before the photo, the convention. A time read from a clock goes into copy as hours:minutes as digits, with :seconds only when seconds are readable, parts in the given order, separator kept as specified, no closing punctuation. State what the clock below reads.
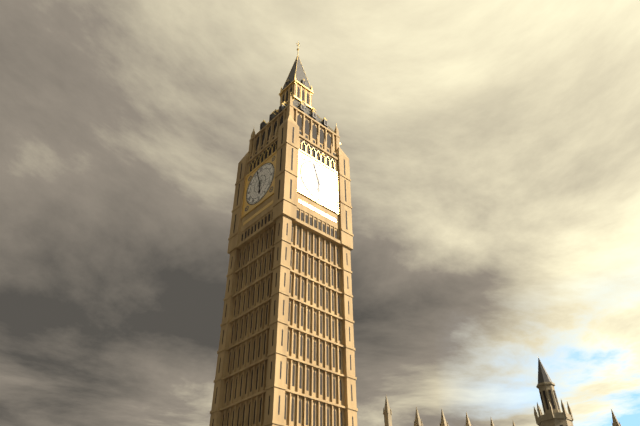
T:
5:57
